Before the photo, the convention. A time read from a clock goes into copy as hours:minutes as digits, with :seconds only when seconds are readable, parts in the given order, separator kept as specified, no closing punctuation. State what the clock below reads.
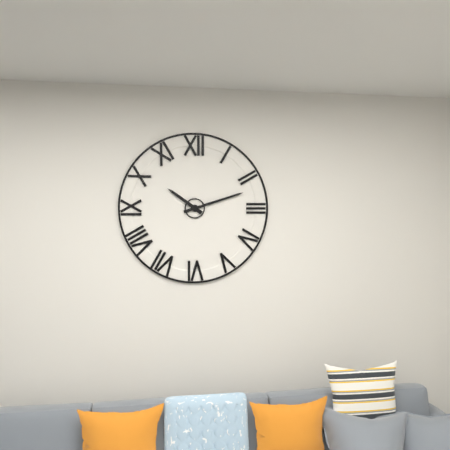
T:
10:12
